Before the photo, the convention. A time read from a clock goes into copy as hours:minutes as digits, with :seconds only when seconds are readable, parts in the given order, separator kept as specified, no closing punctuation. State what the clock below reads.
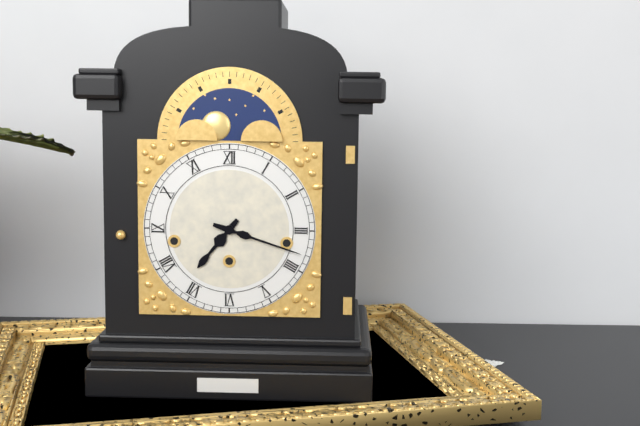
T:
7:18
